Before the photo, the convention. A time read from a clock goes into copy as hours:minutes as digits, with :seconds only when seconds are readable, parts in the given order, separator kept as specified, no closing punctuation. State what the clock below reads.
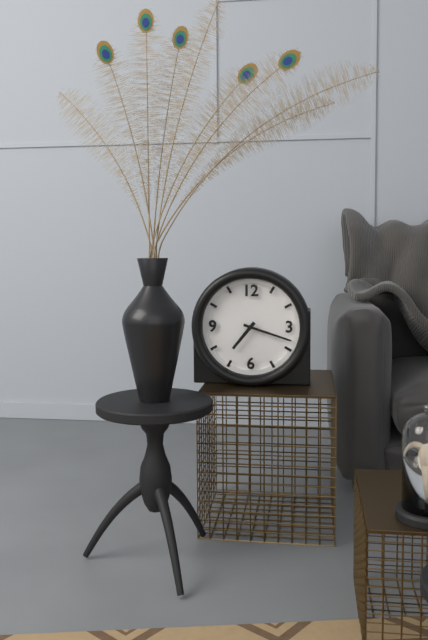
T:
7:18
